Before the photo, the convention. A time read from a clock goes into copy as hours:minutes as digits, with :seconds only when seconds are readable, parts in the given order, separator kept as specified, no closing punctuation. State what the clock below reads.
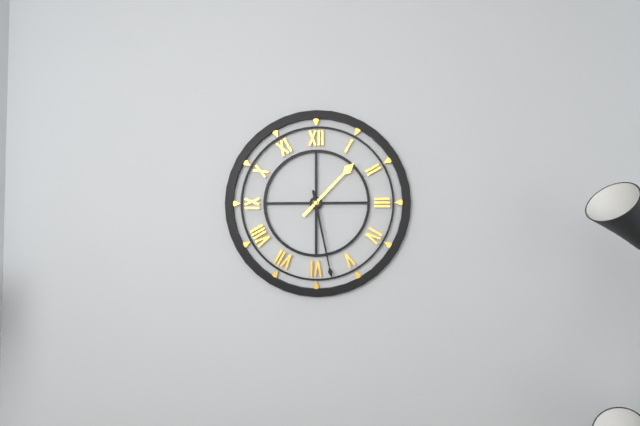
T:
1:28
